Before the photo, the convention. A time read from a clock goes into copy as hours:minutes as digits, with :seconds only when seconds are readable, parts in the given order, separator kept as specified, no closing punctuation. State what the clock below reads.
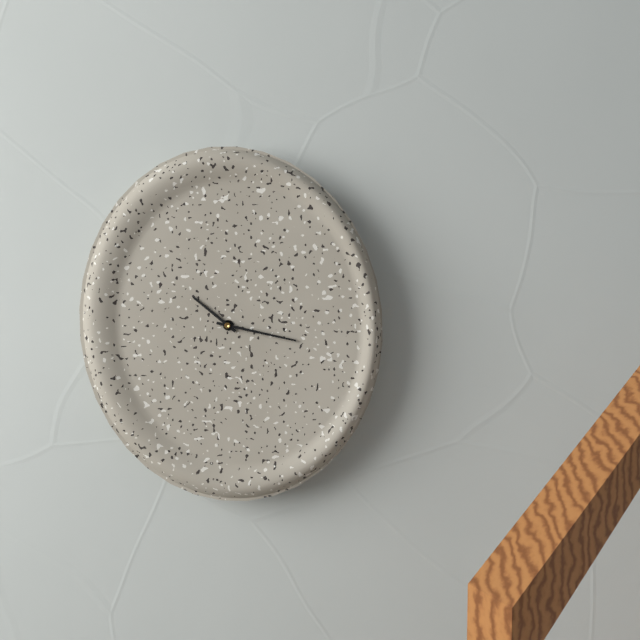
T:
10:17
